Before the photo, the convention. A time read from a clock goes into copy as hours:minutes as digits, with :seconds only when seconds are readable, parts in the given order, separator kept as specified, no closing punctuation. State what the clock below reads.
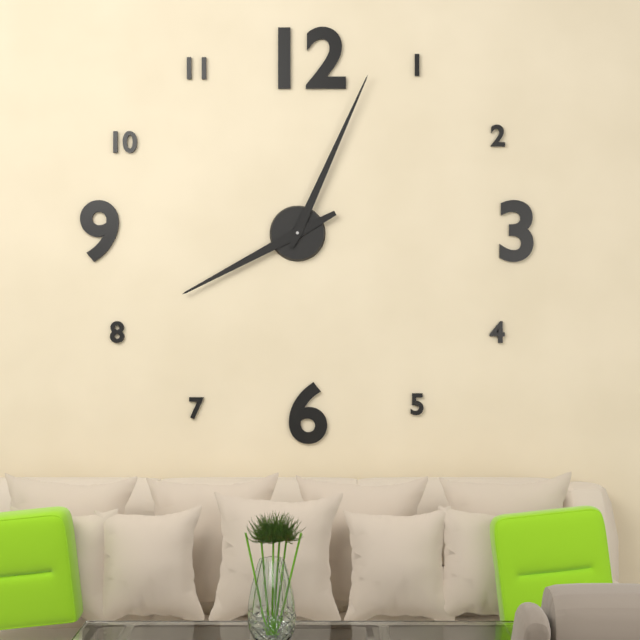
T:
8:04
